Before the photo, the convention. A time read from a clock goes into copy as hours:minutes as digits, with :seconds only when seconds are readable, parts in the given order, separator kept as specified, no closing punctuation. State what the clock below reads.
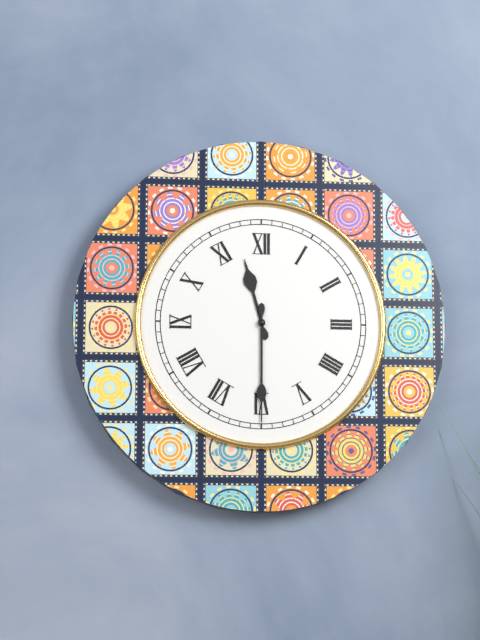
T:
11:30
